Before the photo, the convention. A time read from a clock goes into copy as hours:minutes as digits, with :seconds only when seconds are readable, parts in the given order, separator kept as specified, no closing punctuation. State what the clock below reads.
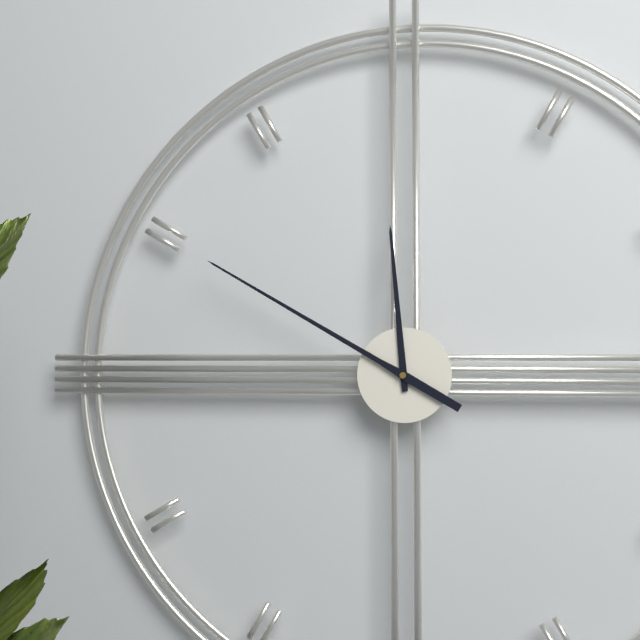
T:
11:50
